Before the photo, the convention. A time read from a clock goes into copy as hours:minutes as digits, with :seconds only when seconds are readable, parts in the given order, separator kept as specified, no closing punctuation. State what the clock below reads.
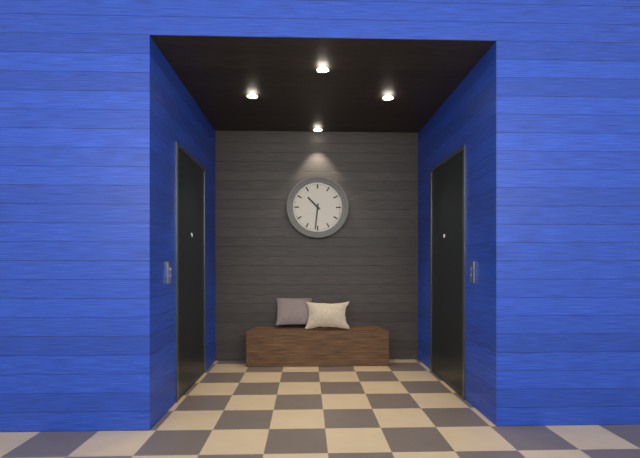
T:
10:31
